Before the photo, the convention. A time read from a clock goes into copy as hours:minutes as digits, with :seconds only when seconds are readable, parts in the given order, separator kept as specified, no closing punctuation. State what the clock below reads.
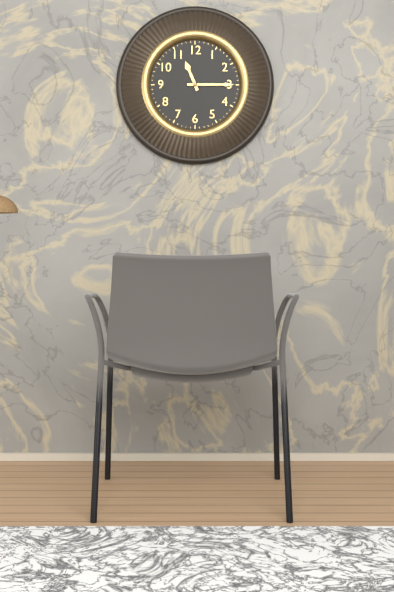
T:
11:15
